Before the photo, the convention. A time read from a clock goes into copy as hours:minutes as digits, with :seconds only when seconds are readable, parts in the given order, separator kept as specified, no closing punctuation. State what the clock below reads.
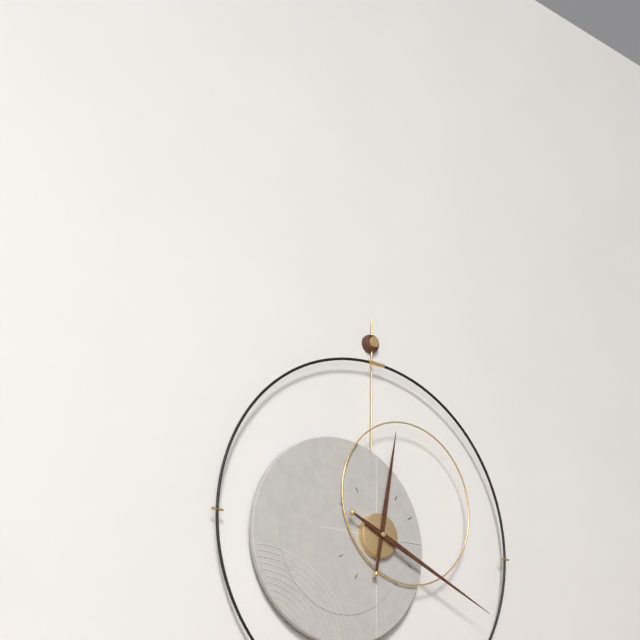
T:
12:19
